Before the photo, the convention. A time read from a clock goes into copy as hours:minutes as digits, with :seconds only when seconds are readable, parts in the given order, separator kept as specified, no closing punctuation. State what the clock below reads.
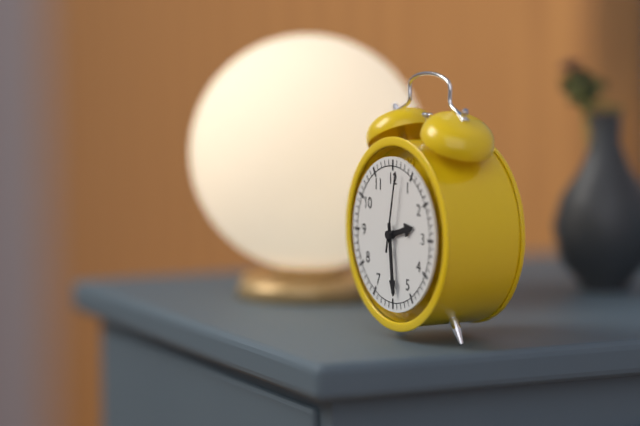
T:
2:29:02
